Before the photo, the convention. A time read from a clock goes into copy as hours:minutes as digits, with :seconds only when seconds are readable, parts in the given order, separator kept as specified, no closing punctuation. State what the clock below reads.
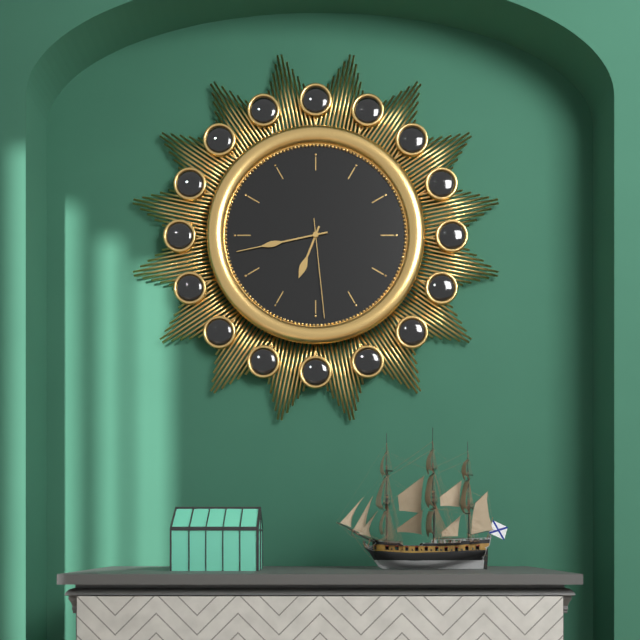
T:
6:43:29
